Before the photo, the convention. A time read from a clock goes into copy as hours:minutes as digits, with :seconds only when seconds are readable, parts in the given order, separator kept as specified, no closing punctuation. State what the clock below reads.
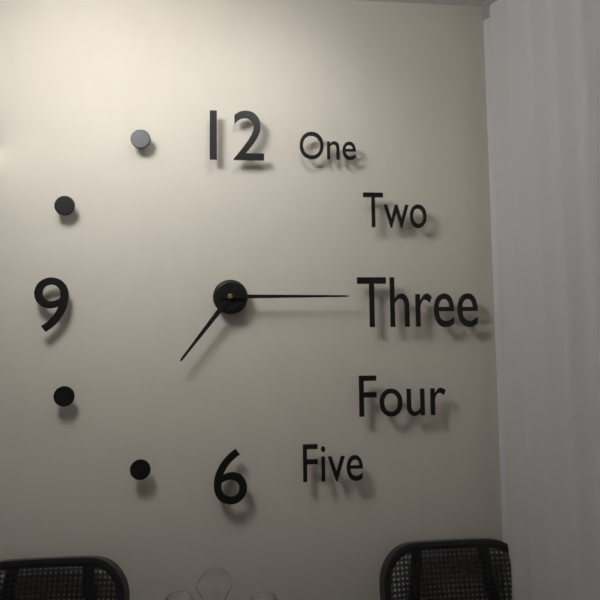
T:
7:15
